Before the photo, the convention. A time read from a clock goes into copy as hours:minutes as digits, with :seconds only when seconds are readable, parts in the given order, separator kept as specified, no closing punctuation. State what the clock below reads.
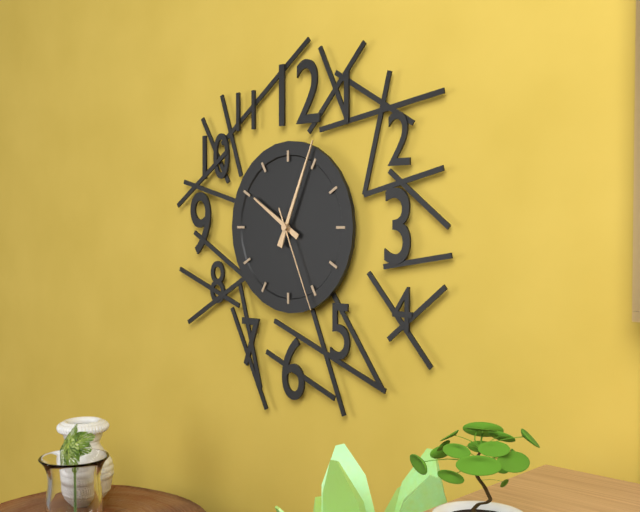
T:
10:04:26
